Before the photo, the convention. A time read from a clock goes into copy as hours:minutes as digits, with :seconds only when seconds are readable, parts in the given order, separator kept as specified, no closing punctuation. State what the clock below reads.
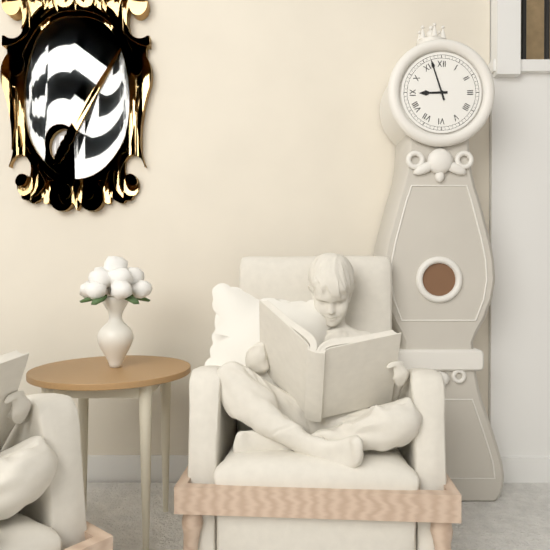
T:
8:57
